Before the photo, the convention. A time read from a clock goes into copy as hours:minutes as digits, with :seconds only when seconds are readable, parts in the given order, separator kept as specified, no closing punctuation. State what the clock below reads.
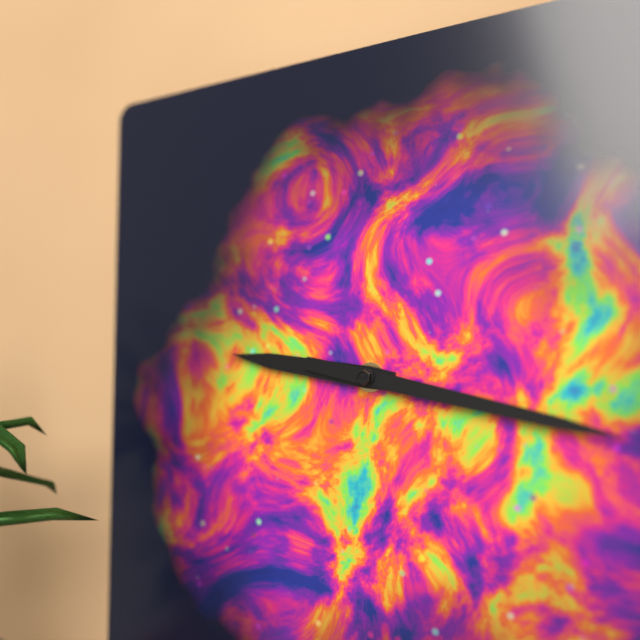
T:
9:17
